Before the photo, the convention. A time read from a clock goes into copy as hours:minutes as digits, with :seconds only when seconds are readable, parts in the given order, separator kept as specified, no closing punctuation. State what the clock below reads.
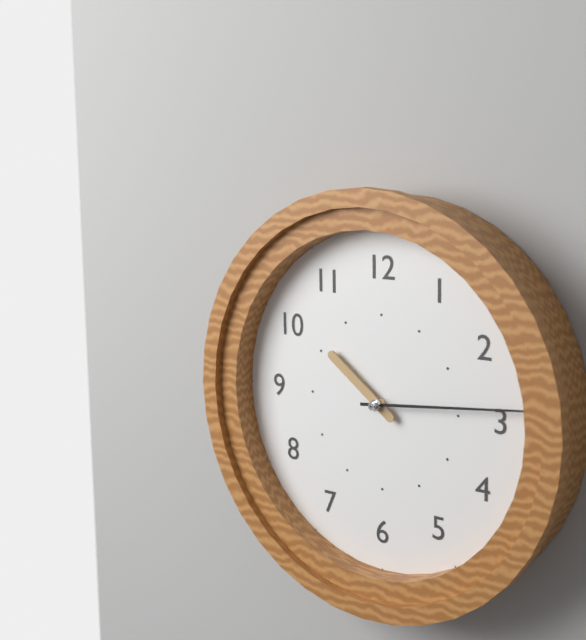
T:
10:14
